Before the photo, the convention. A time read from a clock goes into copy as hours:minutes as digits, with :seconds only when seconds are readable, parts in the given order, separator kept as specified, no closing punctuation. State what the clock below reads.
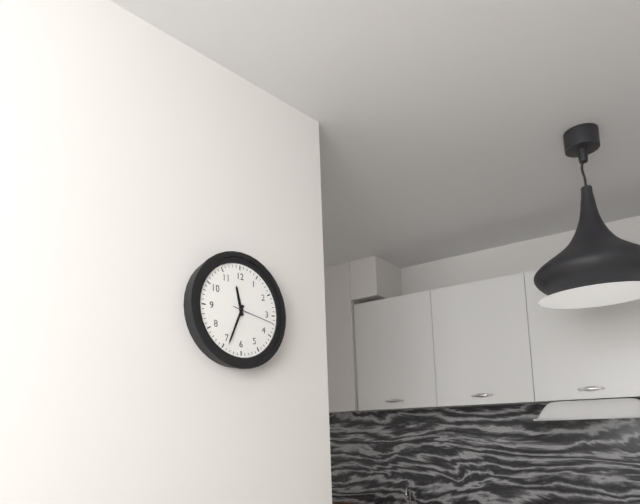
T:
11:34
